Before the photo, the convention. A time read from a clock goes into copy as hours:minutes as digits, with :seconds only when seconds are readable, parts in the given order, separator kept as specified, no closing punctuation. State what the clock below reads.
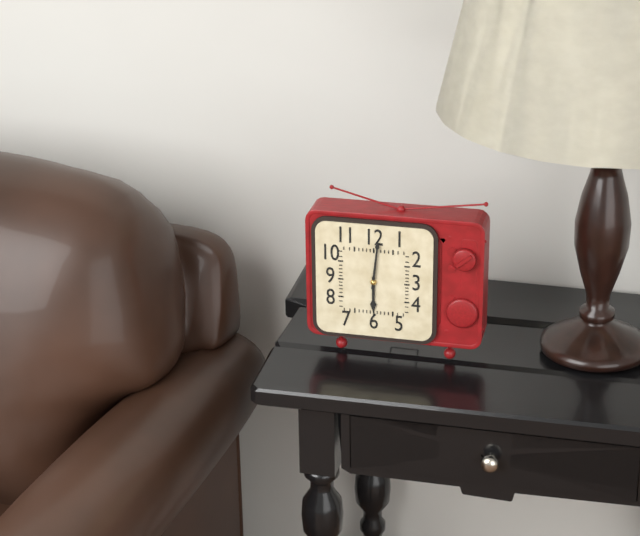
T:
6:01
